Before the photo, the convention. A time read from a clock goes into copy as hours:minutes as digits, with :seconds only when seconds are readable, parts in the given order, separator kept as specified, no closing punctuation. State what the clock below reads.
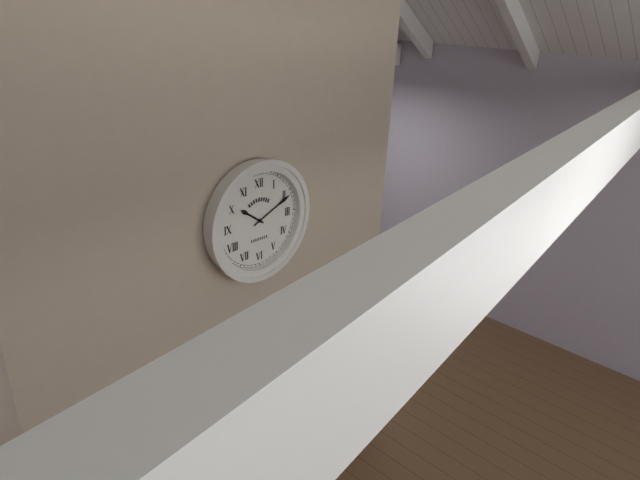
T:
10:11
